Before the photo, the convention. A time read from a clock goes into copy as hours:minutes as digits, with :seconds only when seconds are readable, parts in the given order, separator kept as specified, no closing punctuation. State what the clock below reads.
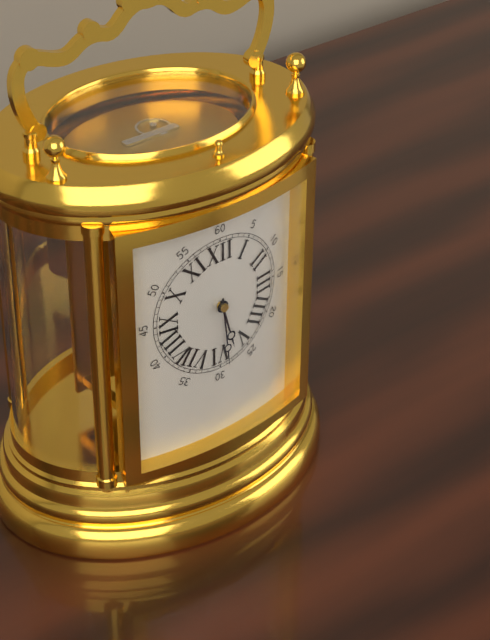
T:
5:29
